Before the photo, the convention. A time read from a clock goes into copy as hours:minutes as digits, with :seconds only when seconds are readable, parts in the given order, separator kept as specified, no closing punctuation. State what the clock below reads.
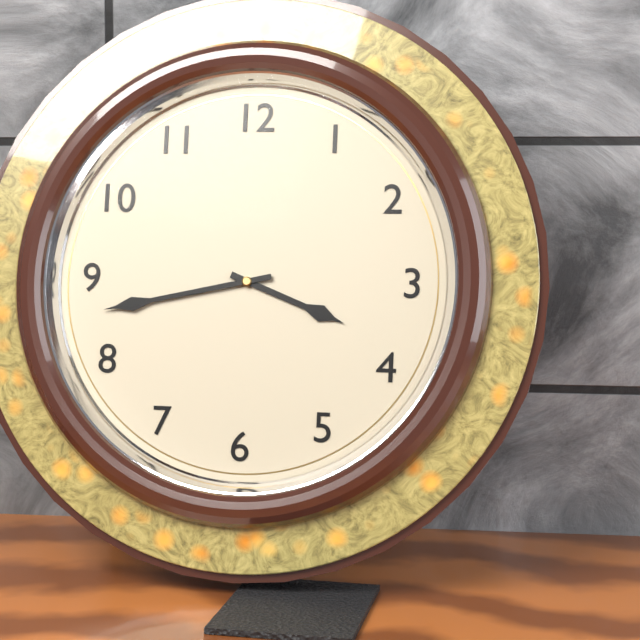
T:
3:43
